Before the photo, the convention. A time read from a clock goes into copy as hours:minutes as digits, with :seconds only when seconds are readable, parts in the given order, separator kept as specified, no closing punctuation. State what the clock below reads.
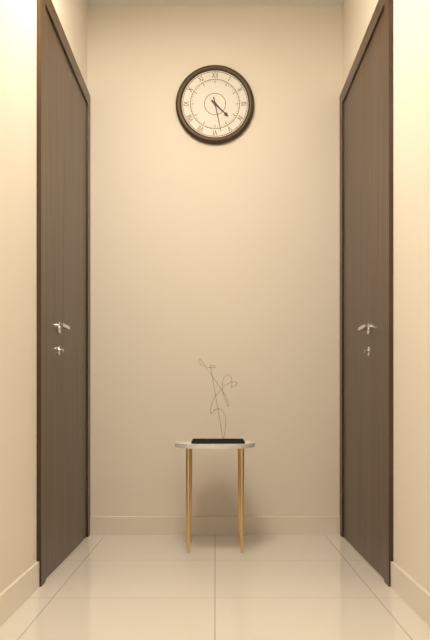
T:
4:28
